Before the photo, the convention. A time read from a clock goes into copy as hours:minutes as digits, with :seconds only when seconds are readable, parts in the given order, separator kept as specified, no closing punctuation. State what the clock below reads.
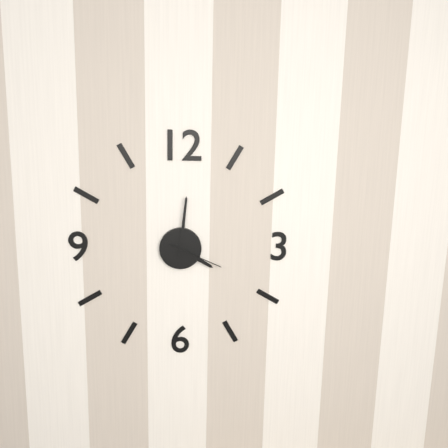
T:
4:01:19
